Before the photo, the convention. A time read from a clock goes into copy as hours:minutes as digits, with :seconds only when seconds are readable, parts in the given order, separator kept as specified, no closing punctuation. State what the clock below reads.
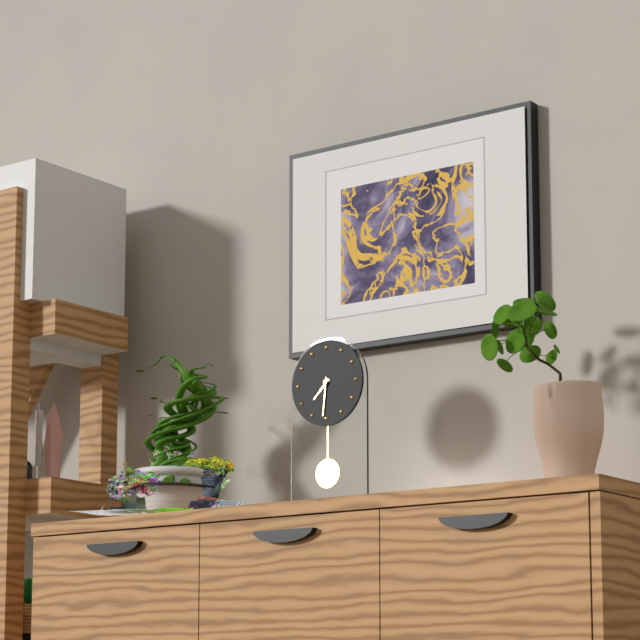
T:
7:31
